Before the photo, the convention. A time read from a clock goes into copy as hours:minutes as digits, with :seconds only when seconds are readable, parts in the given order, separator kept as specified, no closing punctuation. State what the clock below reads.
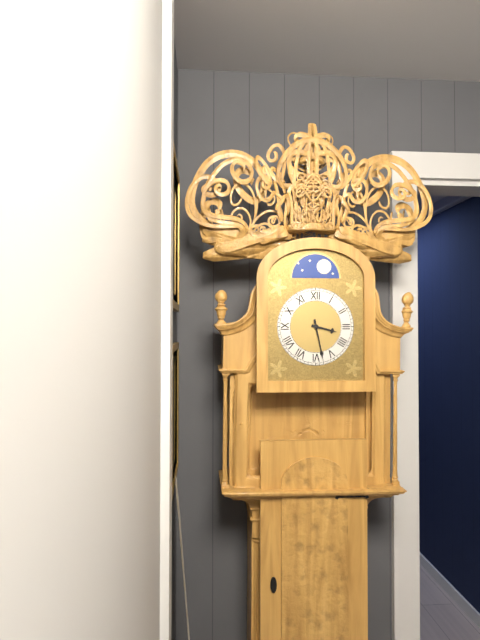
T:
3:28
